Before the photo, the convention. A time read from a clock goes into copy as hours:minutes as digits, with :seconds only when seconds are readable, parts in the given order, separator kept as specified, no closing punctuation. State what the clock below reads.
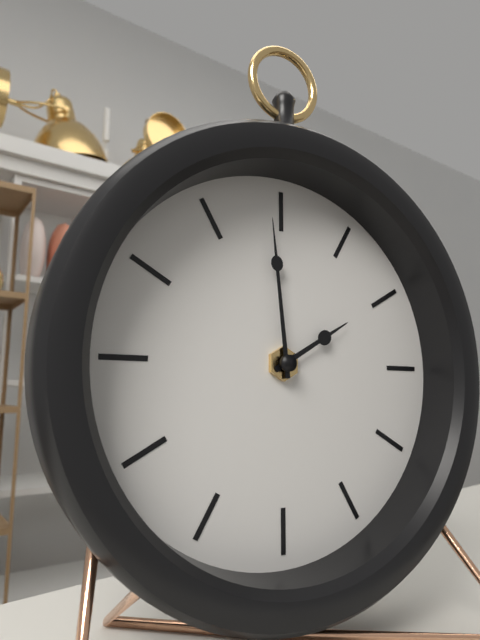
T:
1:59
